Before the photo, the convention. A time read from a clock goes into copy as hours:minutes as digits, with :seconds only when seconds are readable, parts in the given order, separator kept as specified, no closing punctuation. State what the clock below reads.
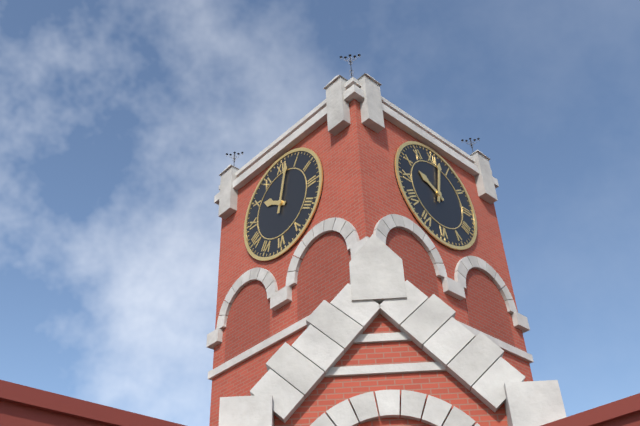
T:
10:02
